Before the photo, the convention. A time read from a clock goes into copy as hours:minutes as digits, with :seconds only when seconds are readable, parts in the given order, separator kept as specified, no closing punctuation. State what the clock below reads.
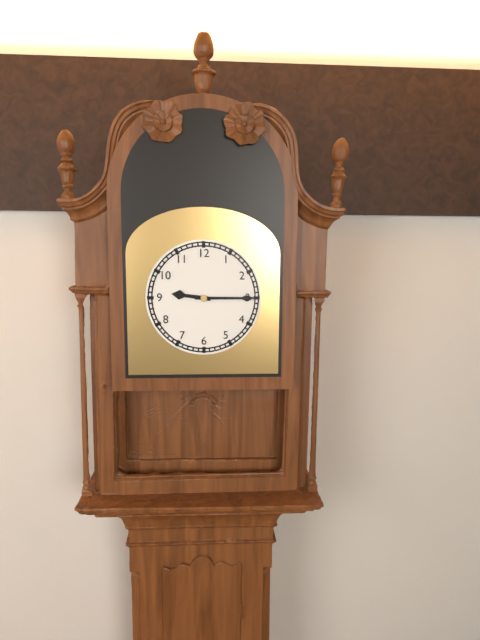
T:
9:15
